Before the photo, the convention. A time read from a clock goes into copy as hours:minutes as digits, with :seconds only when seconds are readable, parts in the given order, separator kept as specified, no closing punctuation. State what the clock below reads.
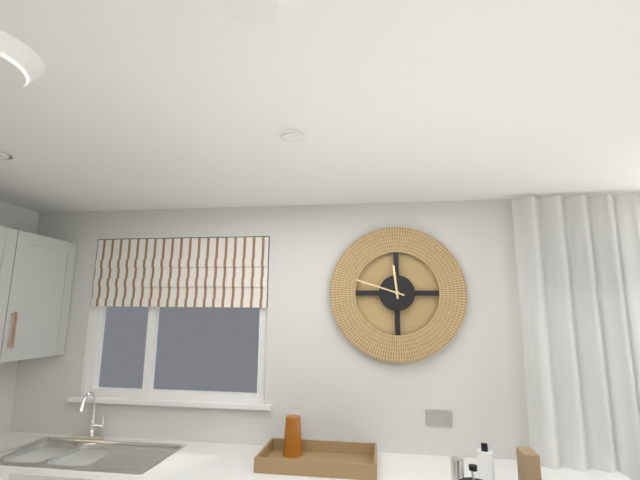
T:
11:48
